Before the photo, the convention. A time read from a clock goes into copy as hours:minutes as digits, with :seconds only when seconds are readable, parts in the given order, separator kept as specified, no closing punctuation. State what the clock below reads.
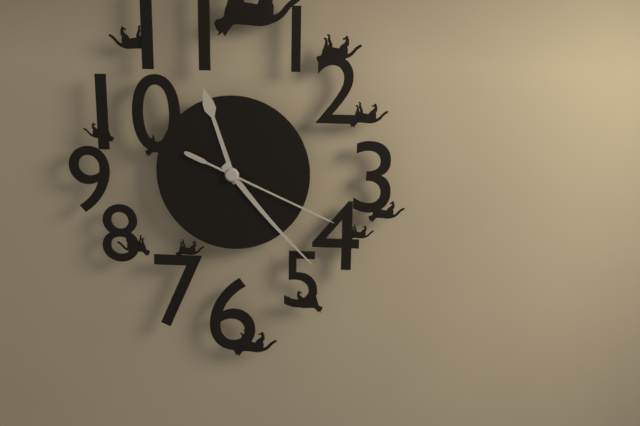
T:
11:23:19
